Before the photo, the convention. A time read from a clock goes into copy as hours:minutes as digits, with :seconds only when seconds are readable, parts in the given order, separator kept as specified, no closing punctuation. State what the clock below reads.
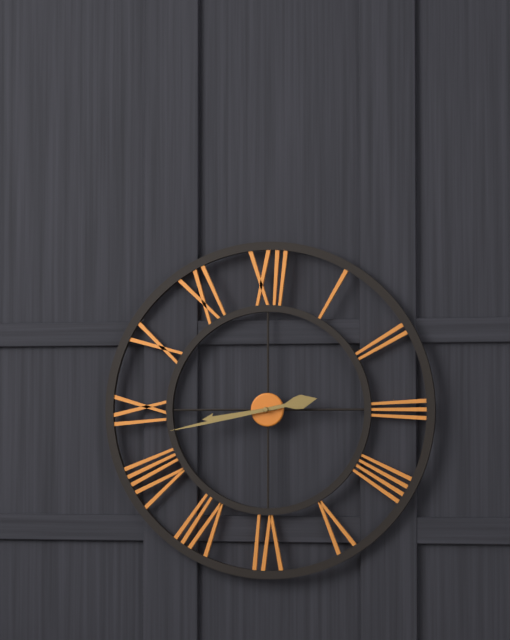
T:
8:43
